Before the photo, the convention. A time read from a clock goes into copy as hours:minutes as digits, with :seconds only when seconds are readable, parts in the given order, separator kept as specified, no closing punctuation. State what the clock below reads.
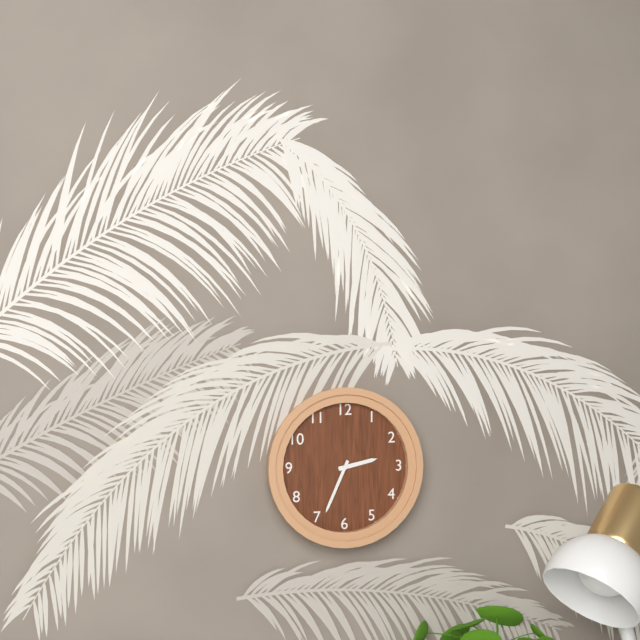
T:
2:34
